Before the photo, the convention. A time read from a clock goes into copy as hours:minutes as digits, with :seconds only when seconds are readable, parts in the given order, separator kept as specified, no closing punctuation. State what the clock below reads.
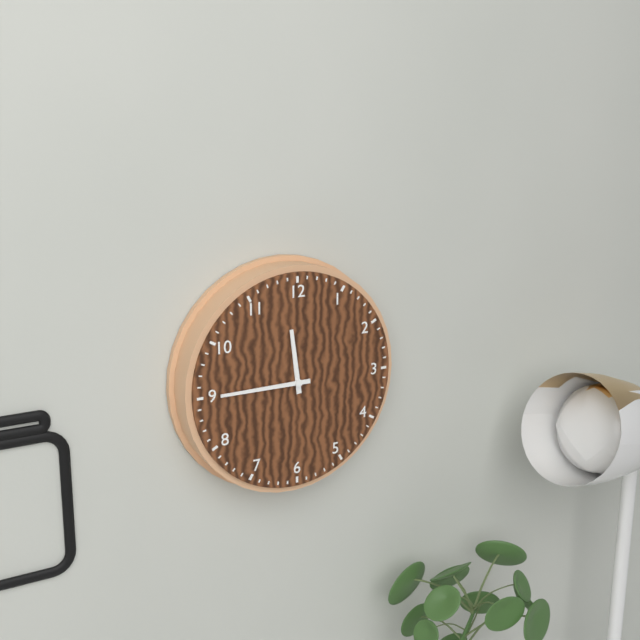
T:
11:45
